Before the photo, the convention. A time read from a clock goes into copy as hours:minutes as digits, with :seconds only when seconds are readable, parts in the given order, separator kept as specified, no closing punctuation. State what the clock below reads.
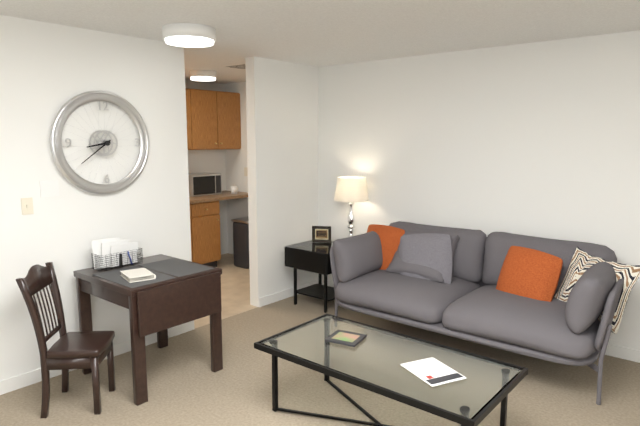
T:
8:39
